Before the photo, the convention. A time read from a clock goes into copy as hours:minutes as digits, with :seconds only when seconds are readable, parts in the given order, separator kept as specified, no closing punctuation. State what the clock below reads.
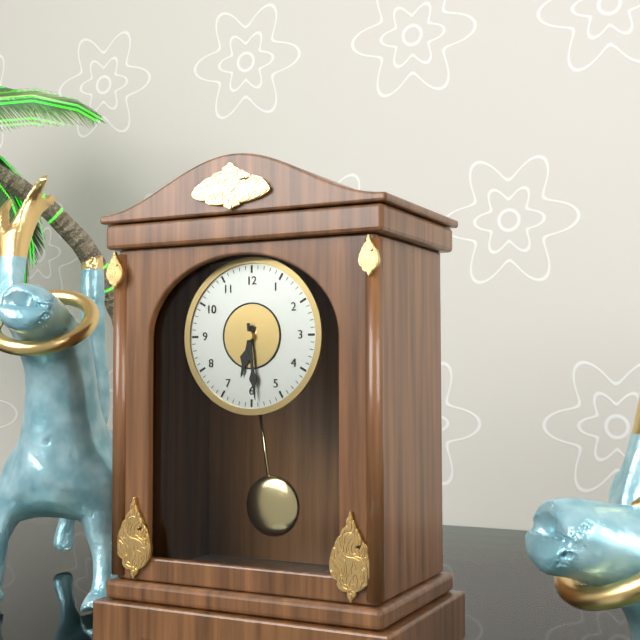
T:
6:29
